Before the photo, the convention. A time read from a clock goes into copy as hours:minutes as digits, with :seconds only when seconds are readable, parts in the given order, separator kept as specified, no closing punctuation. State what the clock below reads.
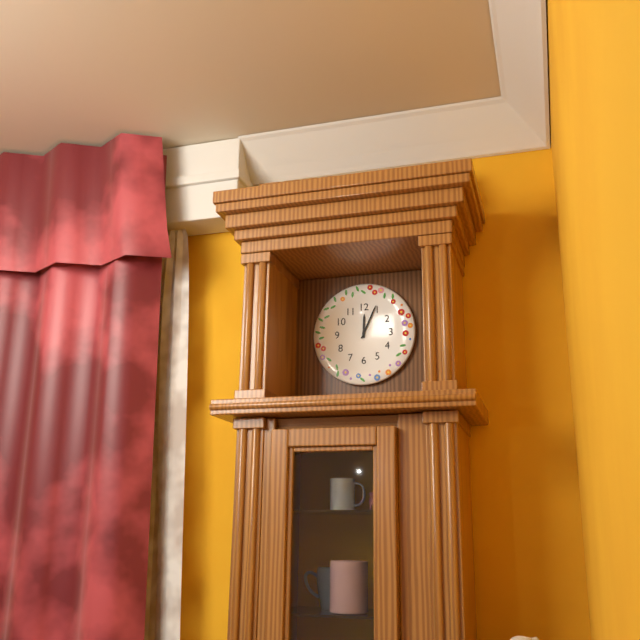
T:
12:04
